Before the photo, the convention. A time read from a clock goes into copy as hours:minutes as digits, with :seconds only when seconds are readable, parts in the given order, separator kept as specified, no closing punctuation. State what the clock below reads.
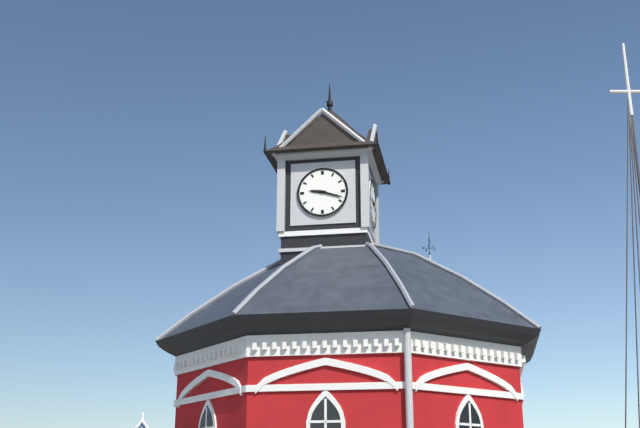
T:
9:18
